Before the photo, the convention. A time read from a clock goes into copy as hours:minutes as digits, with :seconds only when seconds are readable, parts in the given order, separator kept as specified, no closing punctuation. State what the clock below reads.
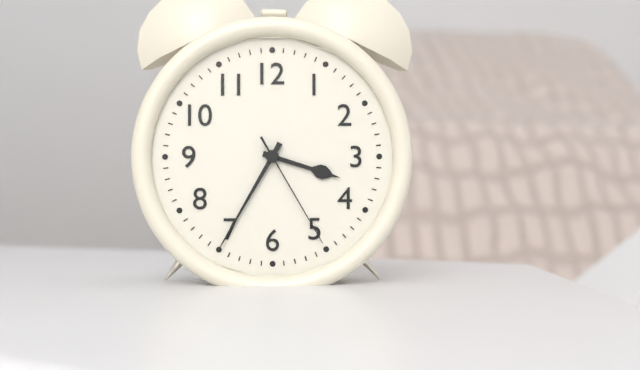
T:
3:35:25
